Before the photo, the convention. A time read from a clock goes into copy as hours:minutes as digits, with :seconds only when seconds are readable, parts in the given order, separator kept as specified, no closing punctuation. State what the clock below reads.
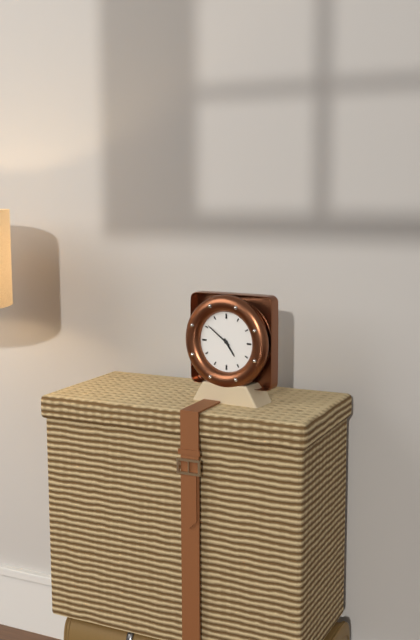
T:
4:51
